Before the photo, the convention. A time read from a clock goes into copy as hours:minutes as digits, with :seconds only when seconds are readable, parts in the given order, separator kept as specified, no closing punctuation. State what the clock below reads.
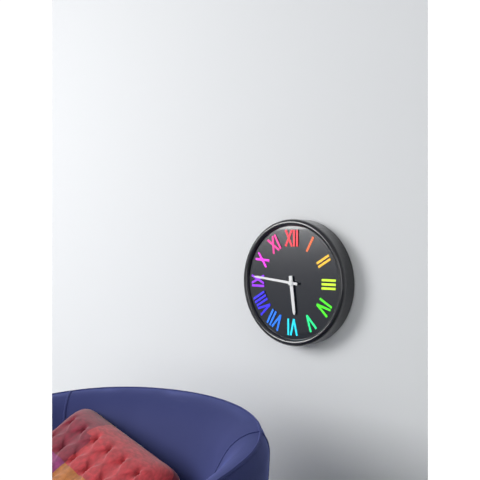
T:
5:46
